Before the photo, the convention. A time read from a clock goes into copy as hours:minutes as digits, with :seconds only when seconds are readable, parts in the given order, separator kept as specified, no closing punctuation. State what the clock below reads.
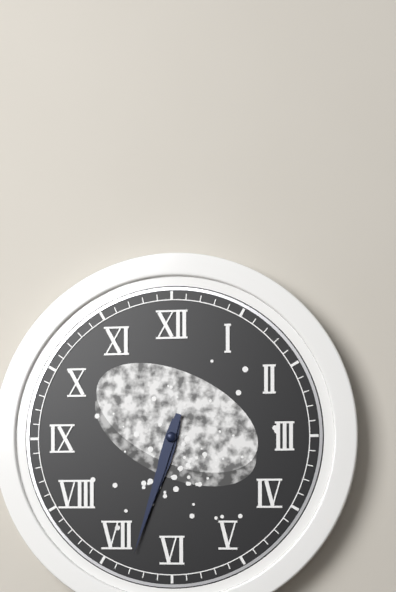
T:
6:33
